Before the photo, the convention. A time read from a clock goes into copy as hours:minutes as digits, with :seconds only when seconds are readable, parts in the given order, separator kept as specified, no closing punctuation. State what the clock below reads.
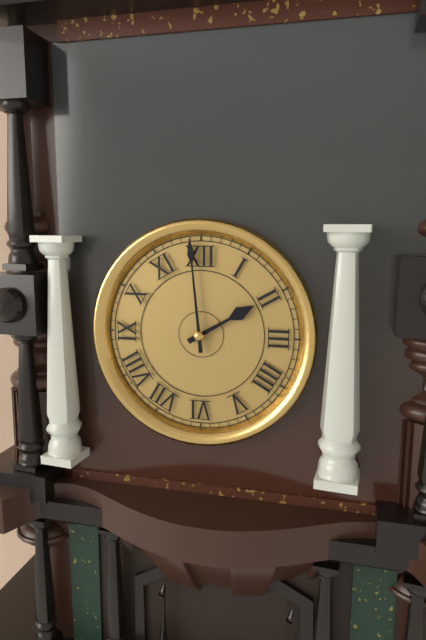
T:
1:59
